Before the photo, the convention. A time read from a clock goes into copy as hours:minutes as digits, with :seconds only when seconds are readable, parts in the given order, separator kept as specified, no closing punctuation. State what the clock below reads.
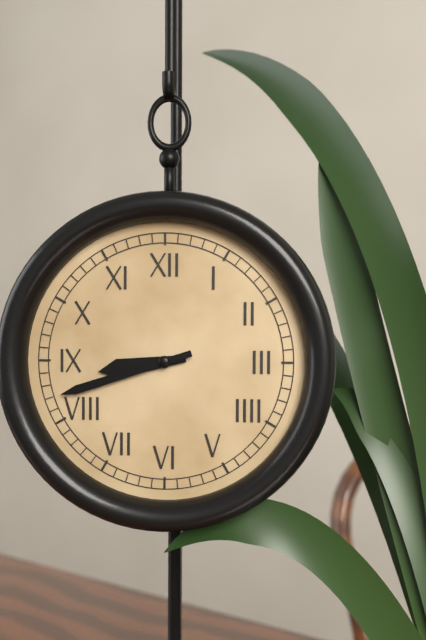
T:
8:42
